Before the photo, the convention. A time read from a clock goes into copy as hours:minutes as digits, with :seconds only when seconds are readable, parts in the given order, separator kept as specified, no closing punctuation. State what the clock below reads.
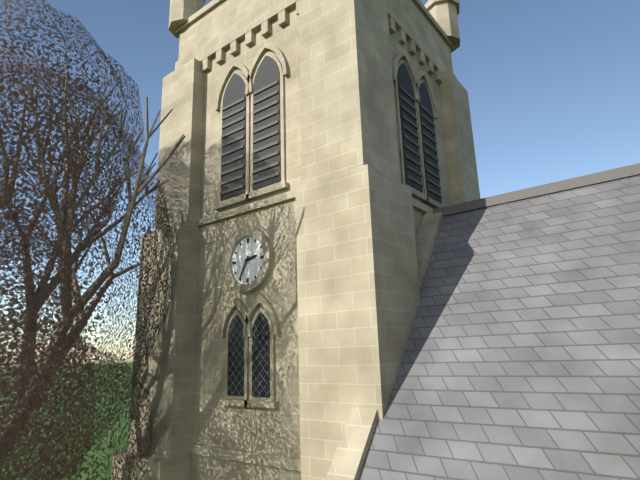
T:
2:35
